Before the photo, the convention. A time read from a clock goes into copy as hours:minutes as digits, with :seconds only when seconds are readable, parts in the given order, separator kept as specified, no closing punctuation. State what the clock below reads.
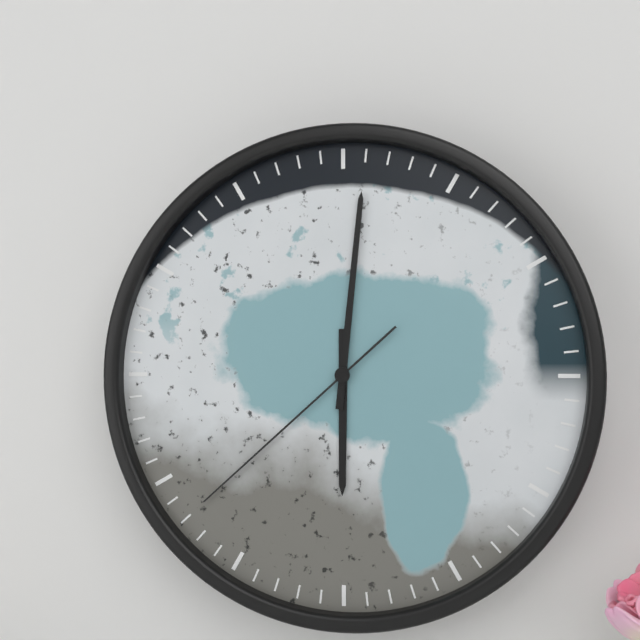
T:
6:01:38
